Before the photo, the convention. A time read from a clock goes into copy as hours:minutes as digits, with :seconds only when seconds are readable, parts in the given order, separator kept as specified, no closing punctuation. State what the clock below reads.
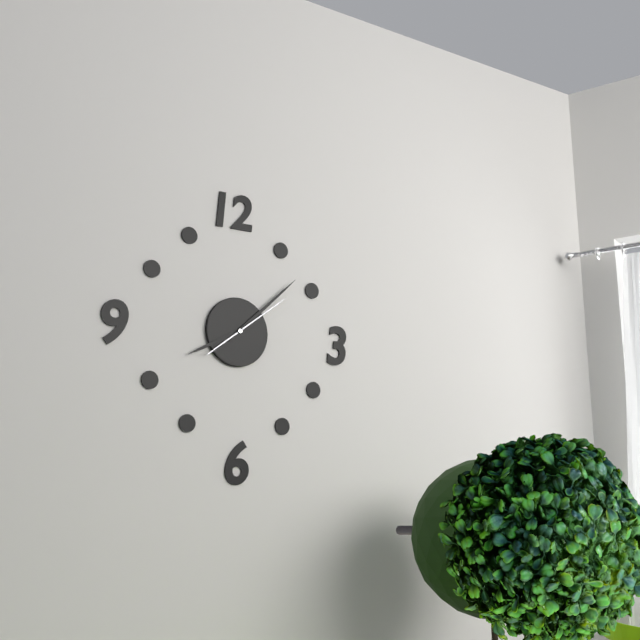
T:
8:08:09
